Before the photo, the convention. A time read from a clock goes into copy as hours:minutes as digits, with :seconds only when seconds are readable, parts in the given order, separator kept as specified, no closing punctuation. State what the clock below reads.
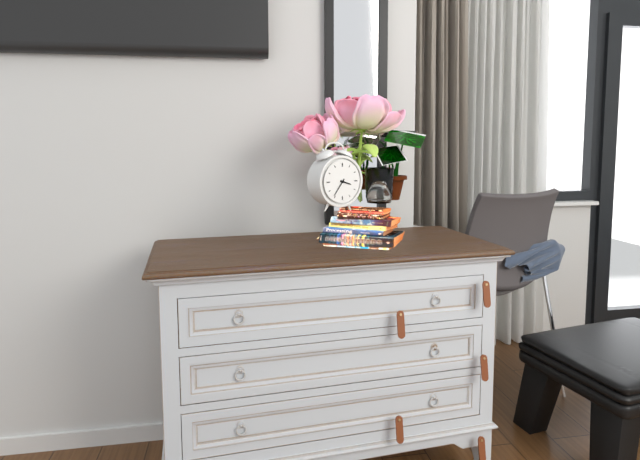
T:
3:36
